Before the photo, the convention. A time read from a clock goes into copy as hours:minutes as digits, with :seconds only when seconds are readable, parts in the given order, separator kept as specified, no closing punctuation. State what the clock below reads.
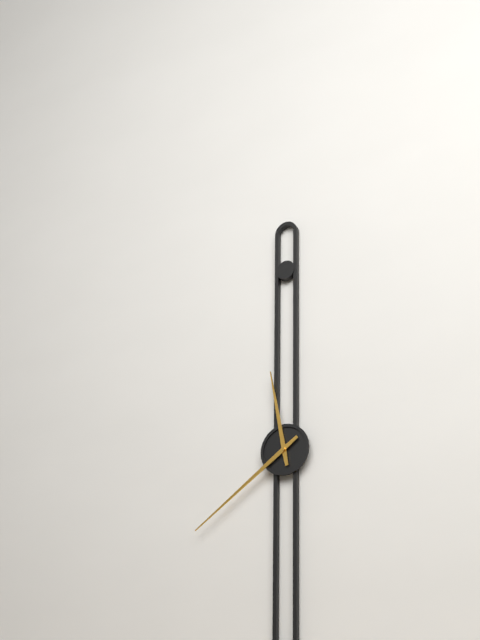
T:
11:39
